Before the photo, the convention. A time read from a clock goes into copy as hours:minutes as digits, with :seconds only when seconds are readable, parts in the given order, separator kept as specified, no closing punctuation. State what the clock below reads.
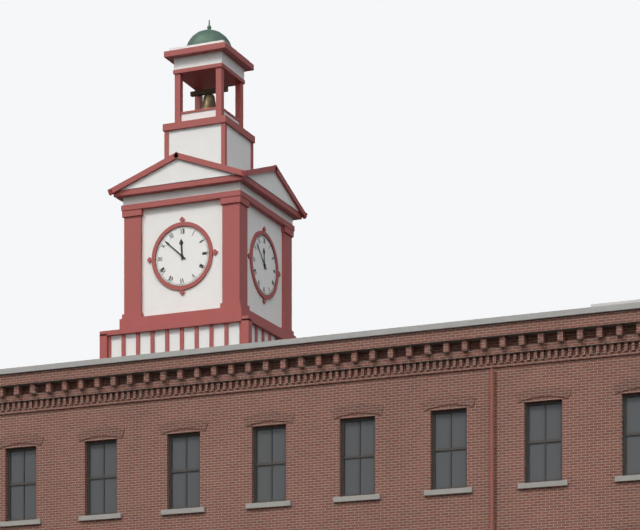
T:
11:52
